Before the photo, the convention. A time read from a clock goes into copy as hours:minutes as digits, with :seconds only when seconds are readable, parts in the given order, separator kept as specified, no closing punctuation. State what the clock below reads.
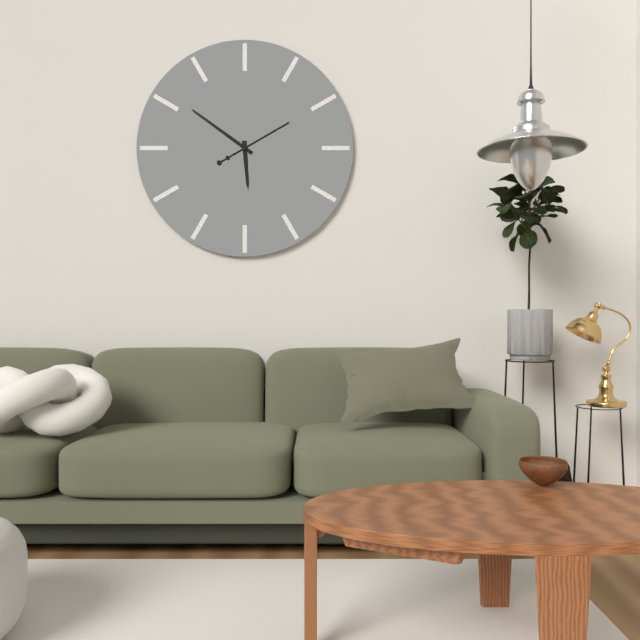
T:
5:51:10
